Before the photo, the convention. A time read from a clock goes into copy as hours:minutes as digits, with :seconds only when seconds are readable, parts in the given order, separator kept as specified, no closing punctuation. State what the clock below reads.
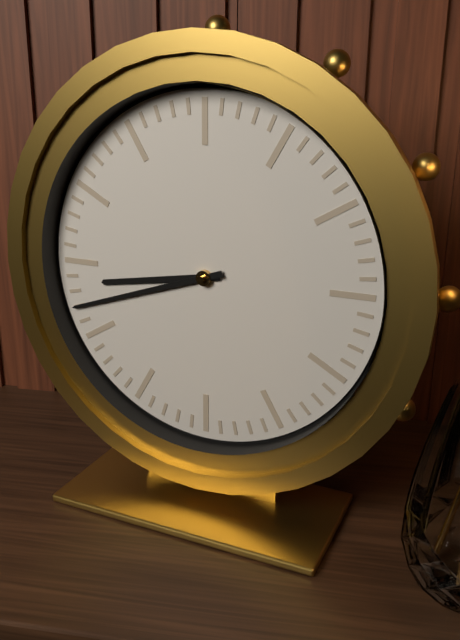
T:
8:42
